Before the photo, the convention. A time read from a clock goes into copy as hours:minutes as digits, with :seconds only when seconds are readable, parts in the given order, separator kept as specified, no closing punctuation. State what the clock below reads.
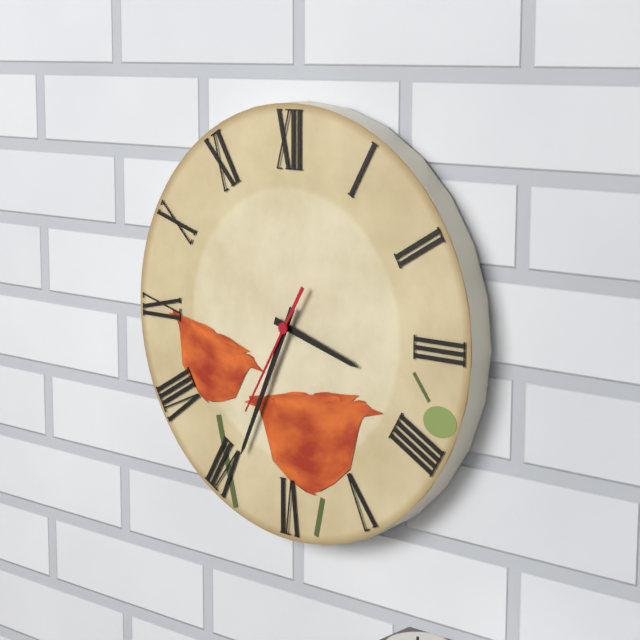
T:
3:34:35
